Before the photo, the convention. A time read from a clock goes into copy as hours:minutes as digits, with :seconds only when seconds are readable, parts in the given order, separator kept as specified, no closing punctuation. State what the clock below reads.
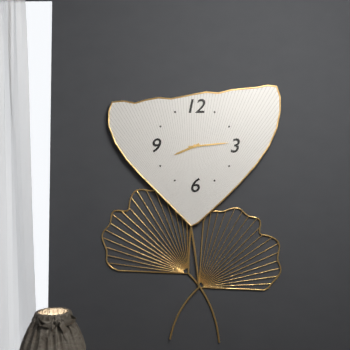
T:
8:14
